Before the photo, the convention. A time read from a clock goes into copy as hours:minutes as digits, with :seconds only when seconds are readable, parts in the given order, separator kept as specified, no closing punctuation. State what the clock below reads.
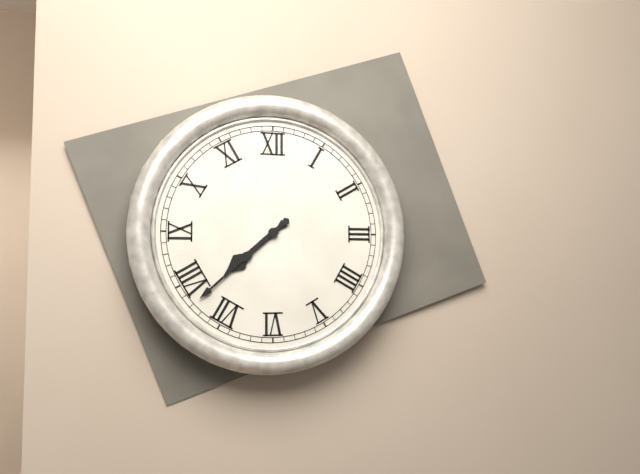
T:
7:38
